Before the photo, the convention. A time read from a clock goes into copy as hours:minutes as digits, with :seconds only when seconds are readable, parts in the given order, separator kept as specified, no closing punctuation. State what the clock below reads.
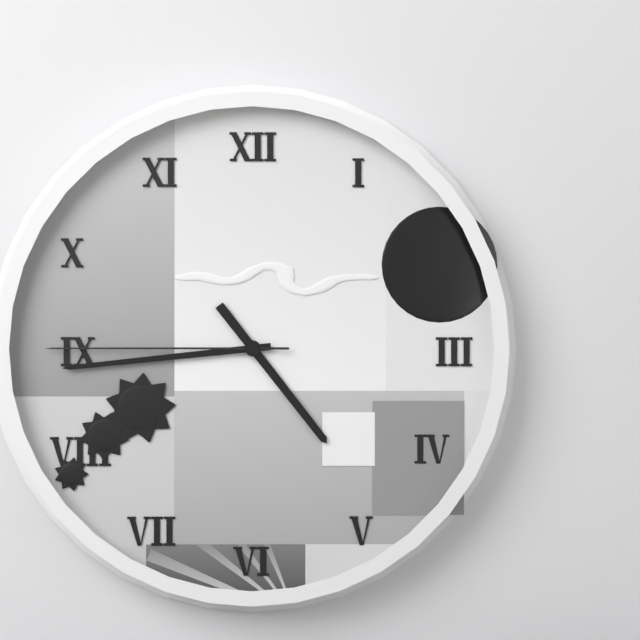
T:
4:44:45
